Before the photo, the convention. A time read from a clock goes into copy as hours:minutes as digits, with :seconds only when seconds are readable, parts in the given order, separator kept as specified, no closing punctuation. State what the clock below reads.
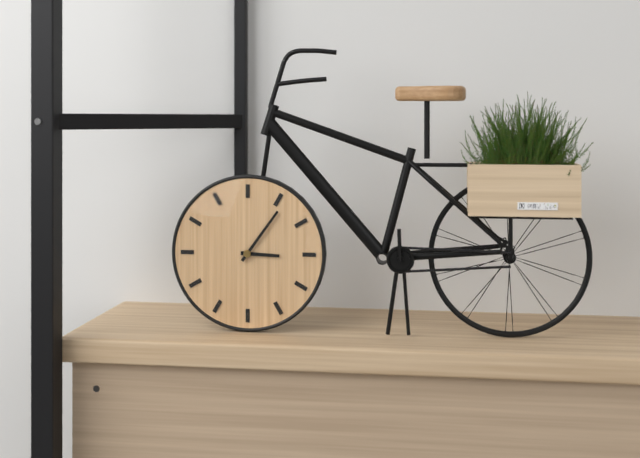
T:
3:06
